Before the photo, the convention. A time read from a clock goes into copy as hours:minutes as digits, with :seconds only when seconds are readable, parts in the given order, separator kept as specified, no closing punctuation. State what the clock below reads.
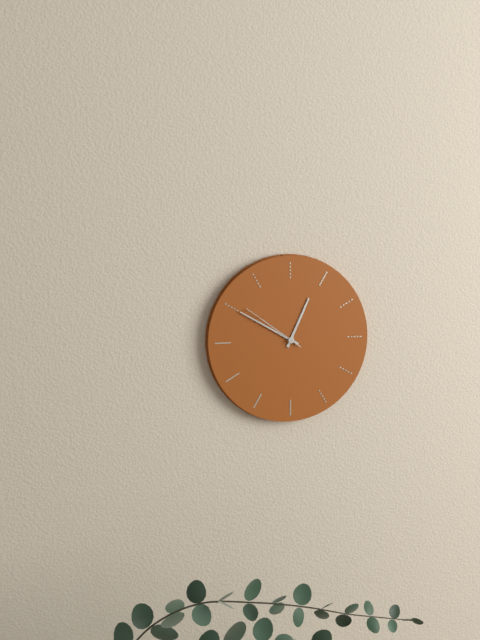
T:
12:50:51
